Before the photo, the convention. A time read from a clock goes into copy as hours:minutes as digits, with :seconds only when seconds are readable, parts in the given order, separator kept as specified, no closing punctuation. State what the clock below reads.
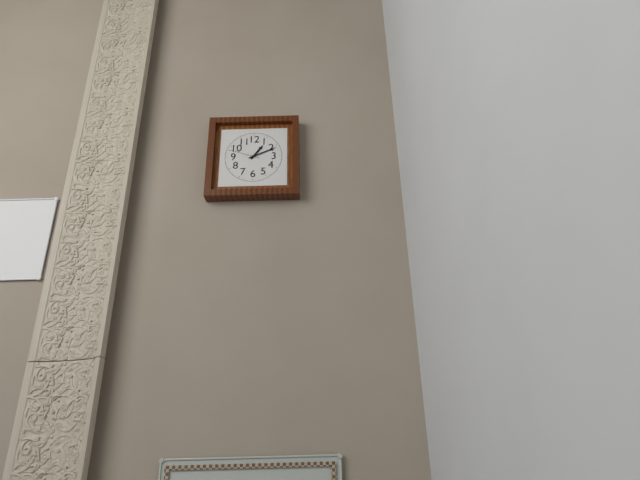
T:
1:11
